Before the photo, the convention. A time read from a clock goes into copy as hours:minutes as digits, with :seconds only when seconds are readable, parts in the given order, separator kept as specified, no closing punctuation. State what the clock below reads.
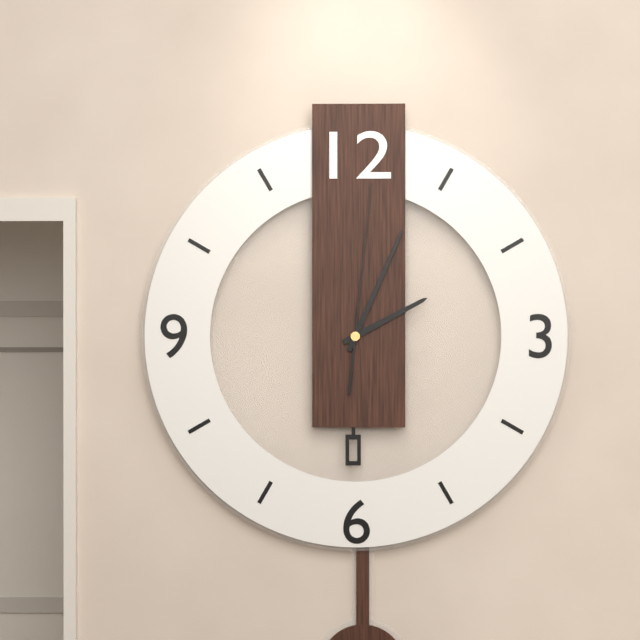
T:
2:04:01
